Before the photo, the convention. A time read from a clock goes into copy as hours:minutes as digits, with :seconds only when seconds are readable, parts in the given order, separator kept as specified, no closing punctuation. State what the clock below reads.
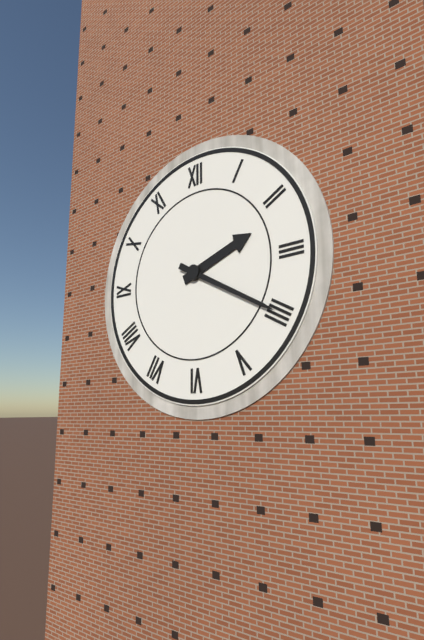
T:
2:20
